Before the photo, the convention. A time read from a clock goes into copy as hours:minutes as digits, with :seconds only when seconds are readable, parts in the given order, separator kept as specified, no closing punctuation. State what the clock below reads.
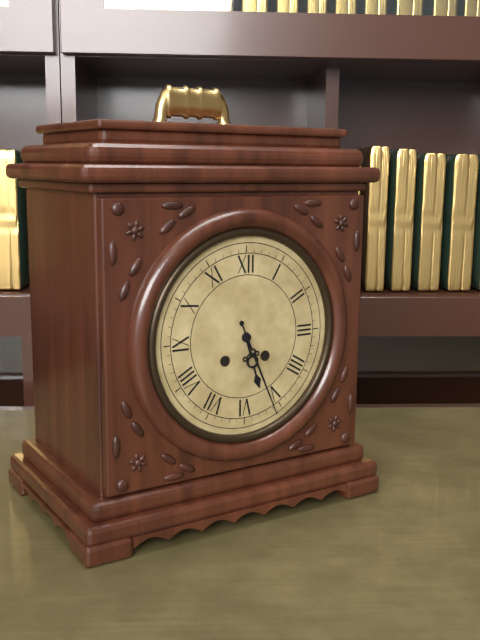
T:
5:26
